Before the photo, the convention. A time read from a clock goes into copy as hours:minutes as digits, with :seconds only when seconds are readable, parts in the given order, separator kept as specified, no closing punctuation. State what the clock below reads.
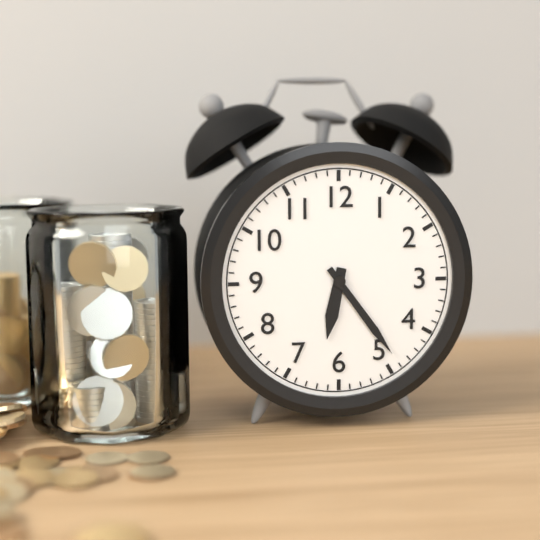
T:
6:24
